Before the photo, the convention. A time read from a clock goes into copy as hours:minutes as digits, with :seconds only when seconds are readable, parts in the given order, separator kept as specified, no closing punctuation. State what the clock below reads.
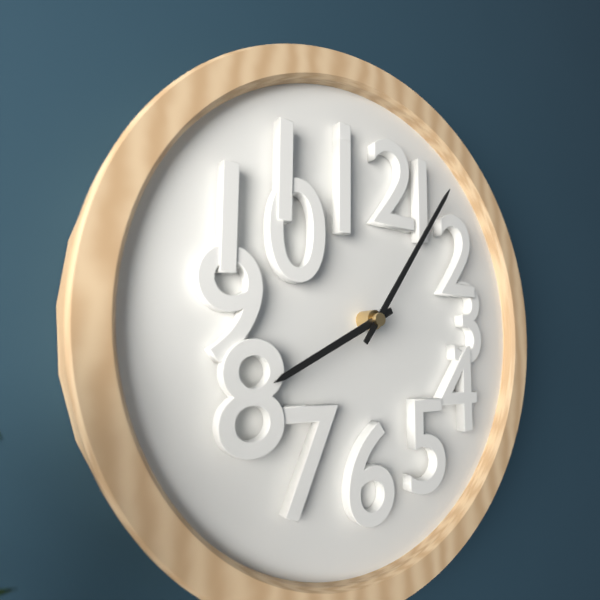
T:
8:06
